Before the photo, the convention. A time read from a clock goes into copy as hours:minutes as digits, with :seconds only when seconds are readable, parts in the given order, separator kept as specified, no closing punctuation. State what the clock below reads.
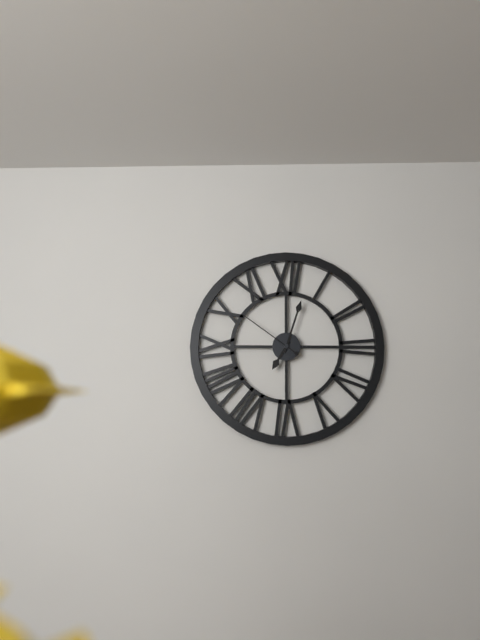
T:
7:03:51
